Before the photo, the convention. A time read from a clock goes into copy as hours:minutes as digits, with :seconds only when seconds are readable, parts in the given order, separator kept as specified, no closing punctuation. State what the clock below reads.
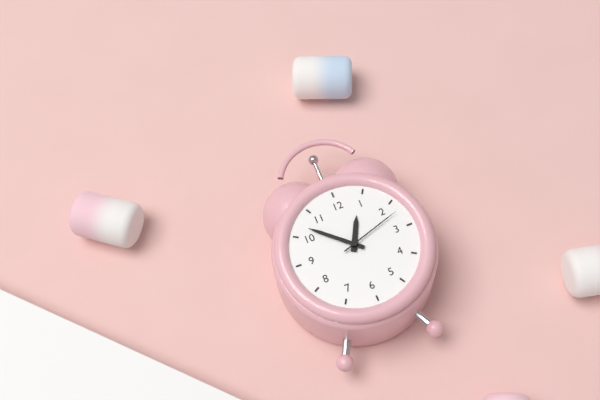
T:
12:52:12
